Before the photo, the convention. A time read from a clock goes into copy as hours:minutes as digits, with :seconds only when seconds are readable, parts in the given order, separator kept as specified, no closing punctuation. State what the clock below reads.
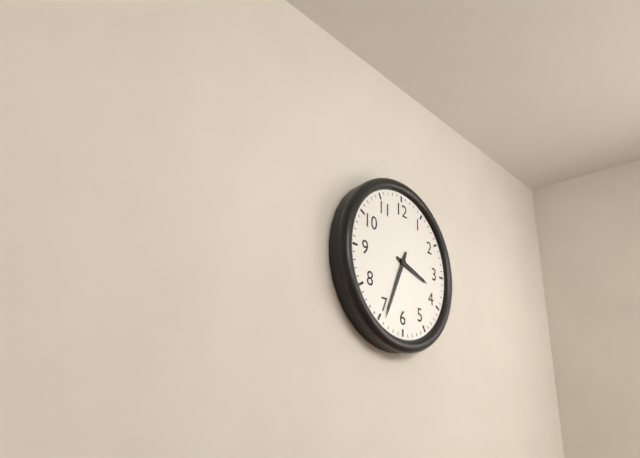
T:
3:34
